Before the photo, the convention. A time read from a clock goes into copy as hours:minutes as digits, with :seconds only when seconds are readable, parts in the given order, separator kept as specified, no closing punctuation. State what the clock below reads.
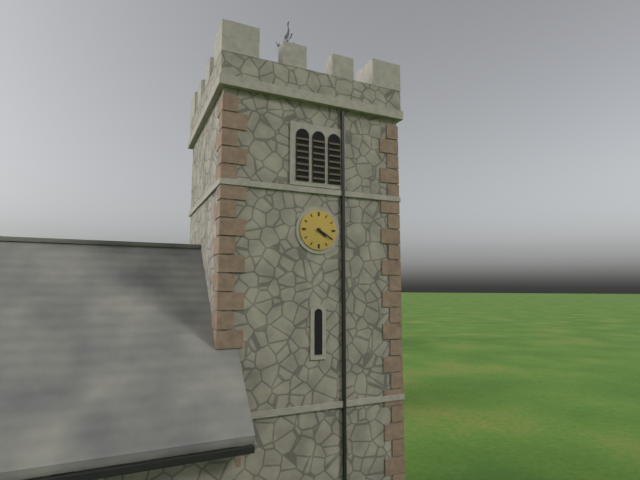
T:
4:20
